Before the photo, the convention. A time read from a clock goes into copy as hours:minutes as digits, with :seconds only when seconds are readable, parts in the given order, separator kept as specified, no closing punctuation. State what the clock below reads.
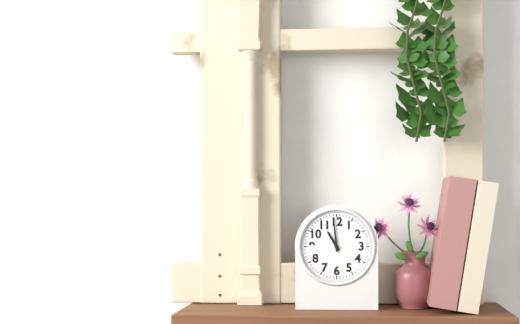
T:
10:59
